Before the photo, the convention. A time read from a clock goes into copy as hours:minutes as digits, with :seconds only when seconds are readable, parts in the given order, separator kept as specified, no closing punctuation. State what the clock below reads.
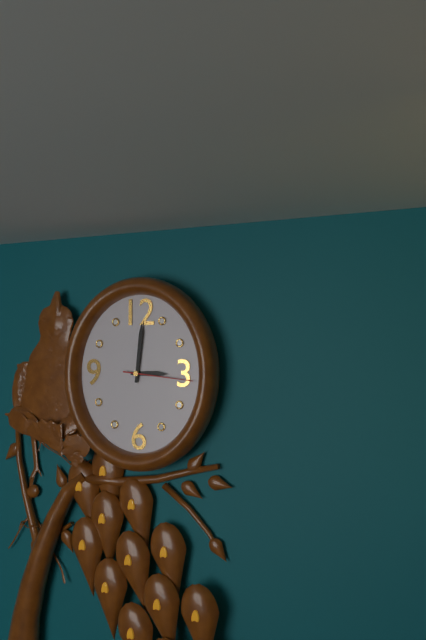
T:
3:01:16
